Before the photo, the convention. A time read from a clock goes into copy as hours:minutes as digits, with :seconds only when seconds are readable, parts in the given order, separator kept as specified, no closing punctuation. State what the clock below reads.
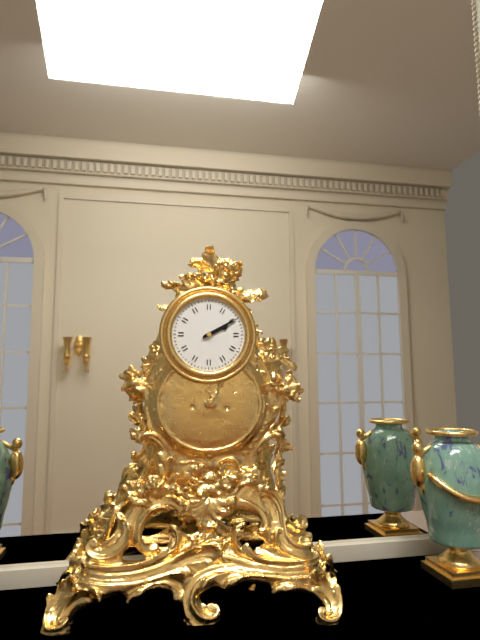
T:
2:10
